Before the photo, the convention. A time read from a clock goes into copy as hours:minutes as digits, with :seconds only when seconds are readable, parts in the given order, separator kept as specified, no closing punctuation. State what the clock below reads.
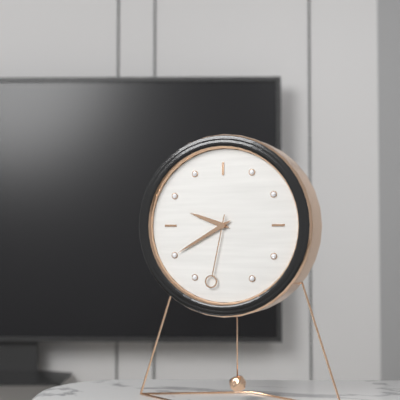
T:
9:40:32
